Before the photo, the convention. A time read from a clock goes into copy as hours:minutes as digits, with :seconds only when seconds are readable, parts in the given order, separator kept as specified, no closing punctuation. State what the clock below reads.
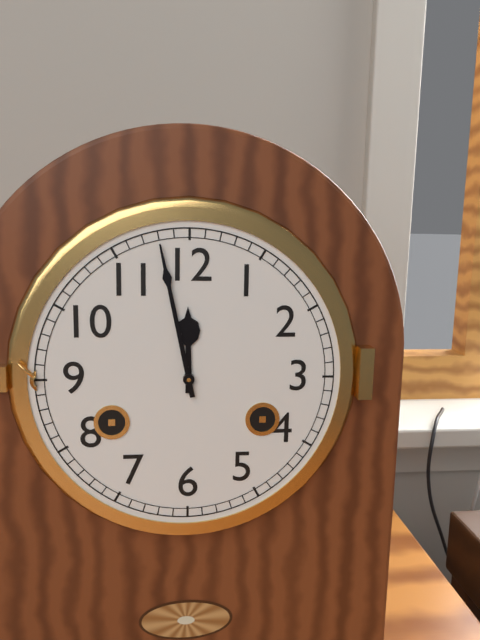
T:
11:58
